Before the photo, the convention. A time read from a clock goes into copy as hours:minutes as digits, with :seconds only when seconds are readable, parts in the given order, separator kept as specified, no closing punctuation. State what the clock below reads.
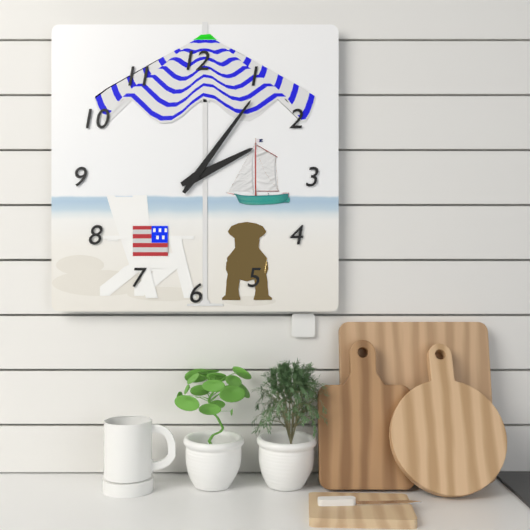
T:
2:06
